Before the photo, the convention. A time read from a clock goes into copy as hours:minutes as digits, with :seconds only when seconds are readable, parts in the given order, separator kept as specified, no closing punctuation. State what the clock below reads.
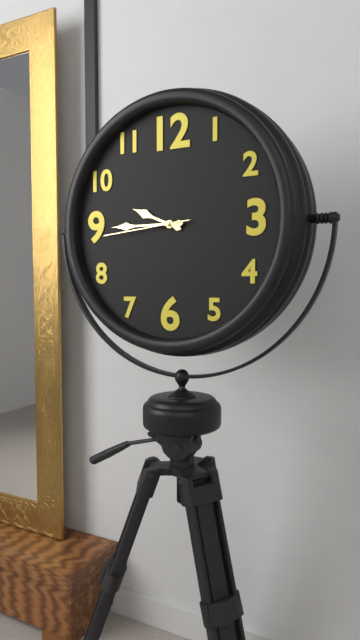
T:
9:45:44
